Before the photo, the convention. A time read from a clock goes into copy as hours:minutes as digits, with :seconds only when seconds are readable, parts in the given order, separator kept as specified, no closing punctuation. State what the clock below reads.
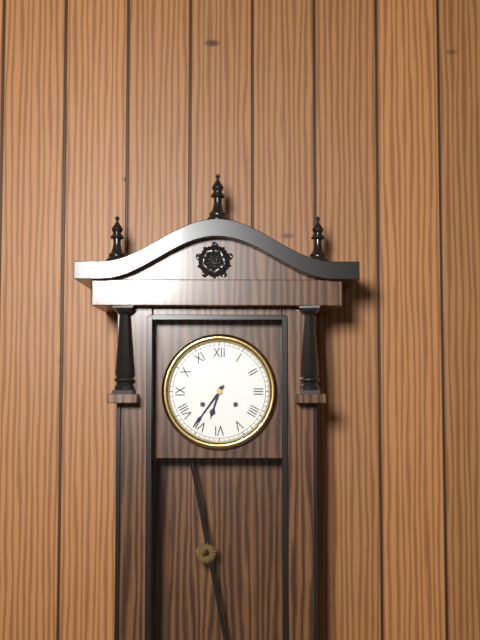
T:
6:36
